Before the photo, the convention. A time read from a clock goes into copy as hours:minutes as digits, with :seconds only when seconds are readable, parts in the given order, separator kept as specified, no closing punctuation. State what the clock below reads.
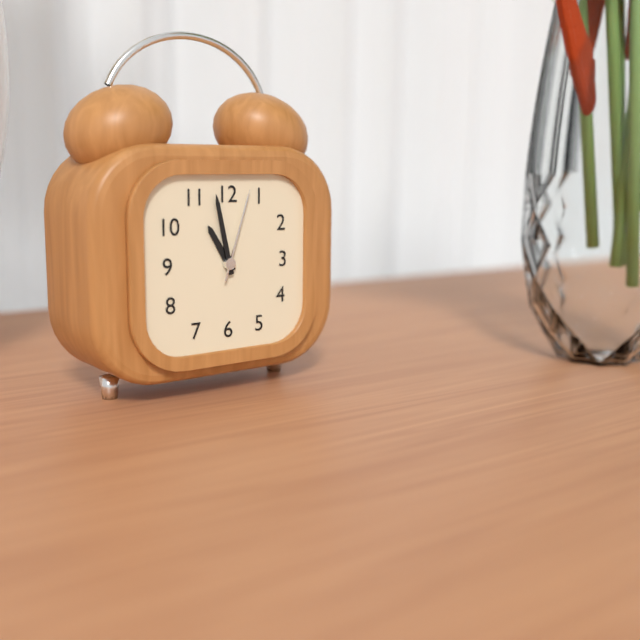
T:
10:58:03
